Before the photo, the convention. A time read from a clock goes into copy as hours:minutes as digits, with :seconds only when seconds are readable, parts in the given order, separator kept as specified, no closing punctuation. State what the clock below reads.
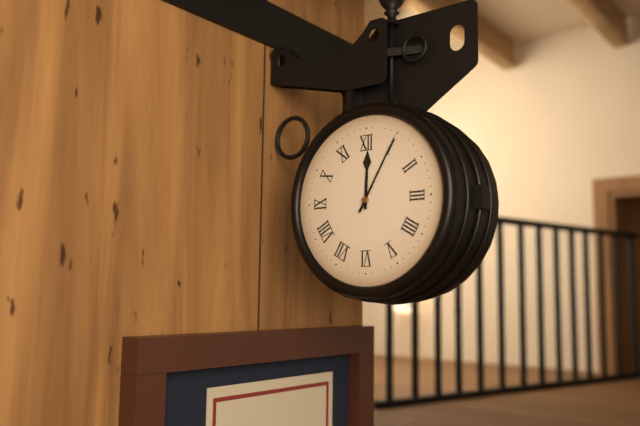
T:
12:05
